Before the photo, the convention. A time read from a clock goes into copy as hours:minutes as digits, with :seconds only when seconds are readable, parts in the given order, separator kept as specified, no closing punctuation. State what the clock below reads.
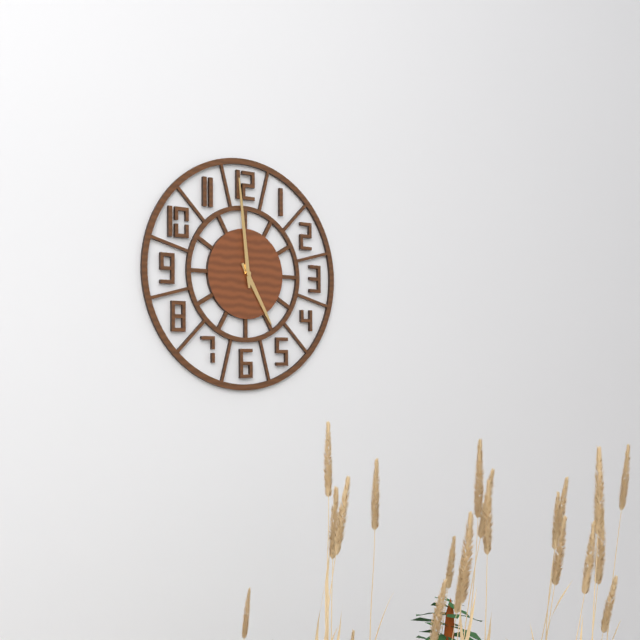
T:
4:59
